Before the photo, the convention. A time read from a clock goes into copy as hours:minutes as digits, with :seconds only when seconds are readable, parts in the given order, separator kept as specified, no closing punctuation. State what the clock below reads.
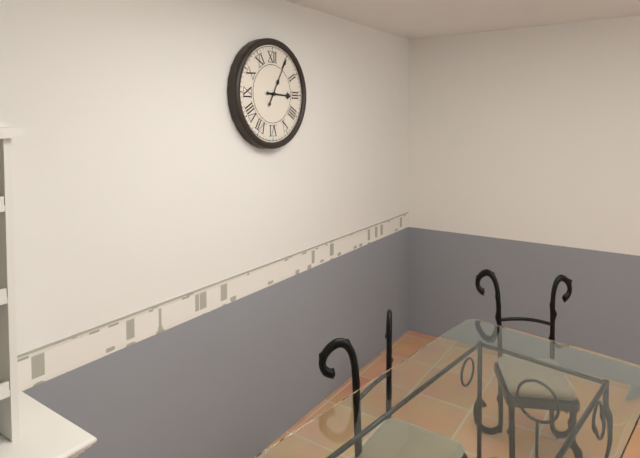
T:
3:05
